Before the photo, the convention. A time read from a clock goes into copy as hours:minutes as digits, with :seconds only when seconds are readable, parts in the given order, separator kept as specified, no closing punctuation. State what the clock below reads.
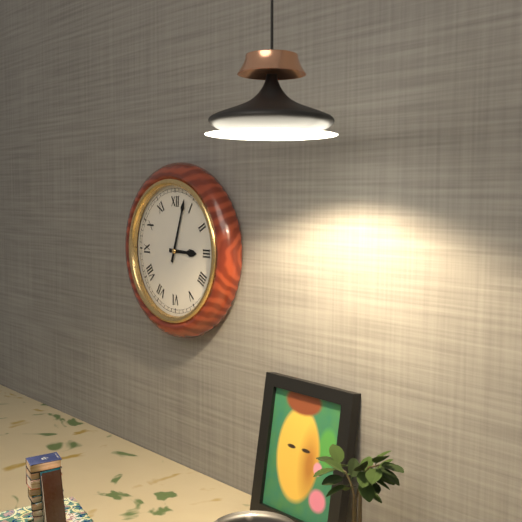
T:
3:03
